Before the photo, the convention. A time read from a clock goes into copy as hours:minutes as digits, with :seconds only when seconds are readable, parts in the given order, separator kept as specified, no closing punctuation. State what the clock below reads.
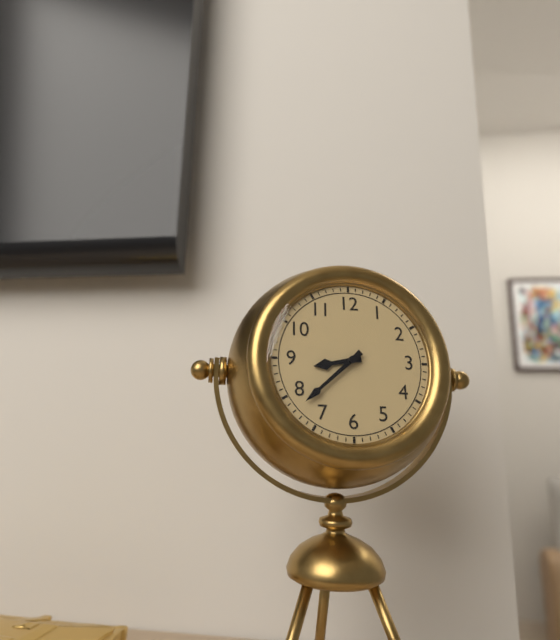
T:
8:38
